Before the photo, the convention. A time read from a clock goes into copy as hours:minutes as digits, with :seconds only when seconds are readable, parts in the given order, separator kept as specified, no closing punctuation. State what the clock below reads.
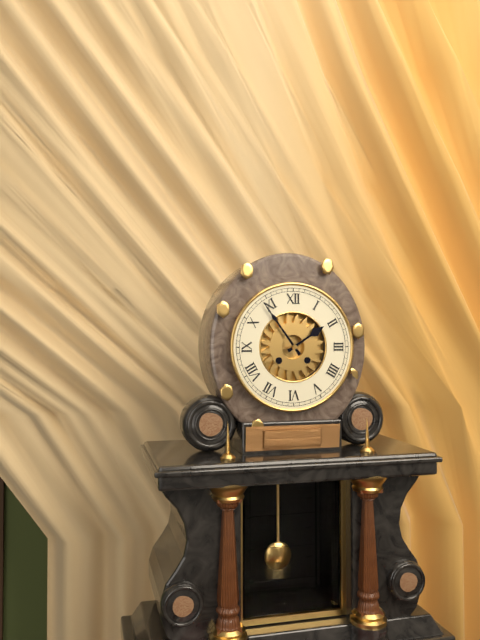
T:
1:54
